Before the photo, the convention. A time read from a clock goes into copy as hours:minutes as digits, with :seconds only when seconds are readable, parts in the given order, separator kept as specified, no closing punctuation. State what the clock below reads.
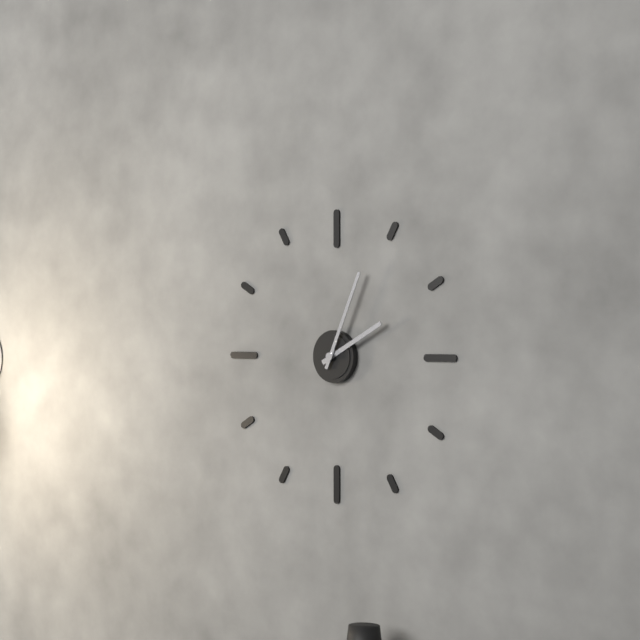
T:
2:04
